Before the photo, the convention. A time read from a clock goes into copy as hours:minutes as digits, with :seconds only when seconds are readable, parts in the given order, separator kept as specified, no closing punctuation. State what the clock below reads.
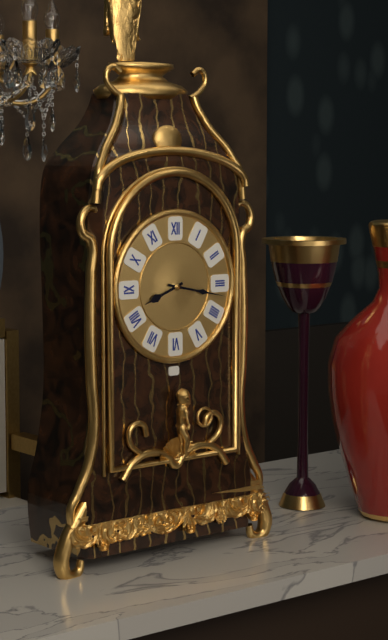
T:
8:17
